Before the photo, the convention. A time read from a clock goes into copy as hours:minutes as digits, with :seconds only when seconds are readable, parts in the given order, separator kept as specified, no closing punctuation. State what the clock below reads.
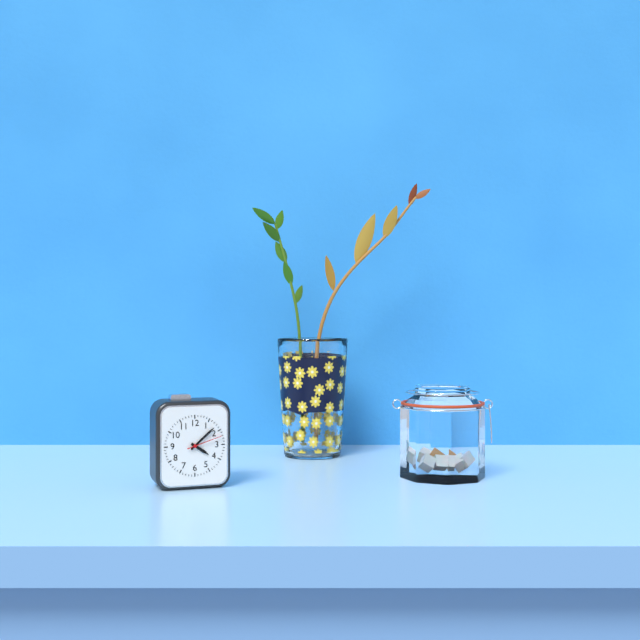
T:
4:08
